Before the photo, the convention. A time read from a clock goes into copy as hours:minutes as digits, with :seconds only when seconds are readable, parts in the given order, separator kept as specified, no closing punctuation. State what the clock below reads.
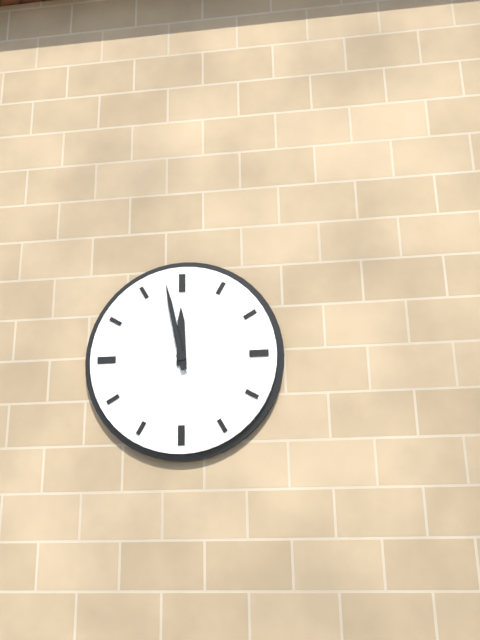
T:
11:58
